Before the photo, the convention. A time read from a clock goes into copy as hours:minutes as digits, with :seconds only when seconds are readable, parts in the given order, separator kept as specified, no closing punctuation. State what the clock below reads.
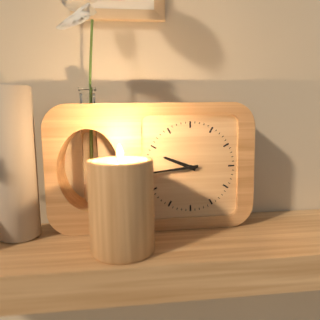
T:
9:44
